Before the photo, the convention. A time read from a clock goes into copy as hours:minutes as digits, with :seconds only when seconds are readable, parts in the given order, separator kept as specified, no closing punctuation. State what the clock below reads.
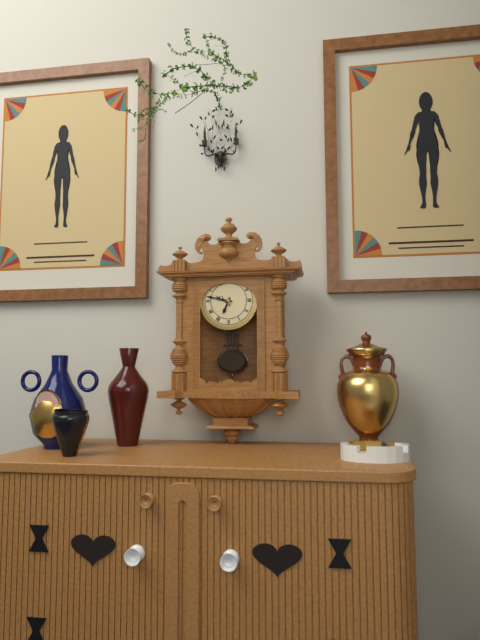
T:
6:47
